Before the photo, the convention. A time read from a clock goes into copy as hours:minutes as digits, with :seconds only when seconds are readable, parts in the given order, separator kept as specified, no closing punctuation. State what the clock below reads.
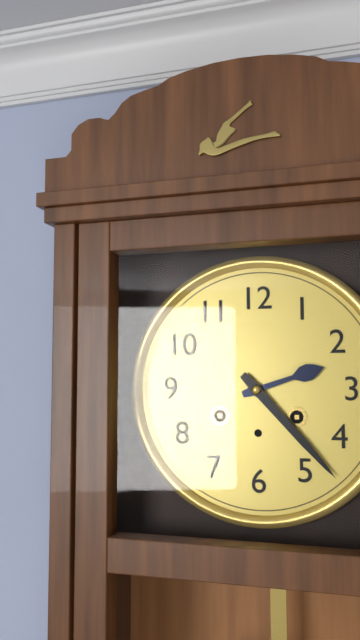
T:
2:23
